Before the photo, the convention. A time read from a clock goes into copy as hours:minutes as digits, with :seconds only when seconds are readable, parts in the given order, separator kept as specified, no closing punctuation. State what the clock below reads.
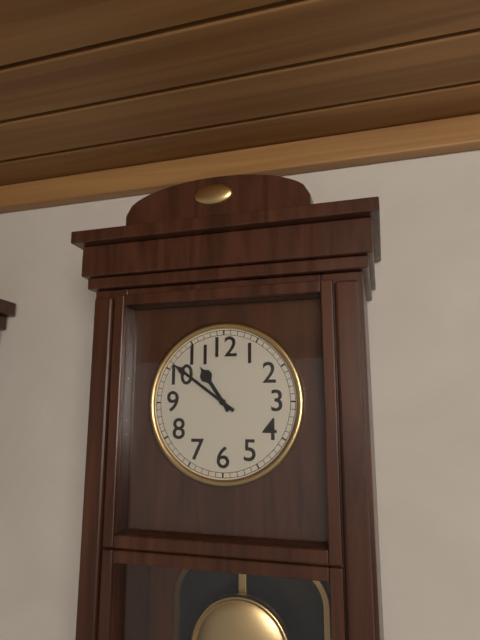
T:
10:51
